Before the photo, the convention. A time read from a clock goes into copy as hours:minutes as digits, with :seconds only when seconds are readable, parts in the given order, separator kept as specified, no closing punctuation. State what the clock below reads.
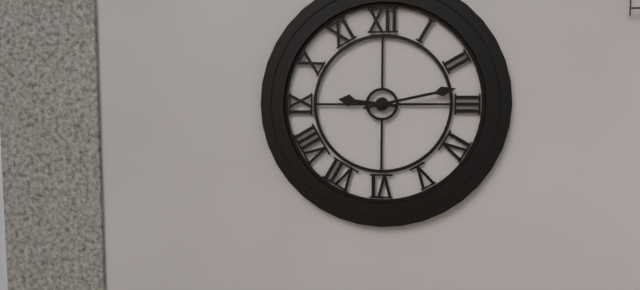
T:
9:13
